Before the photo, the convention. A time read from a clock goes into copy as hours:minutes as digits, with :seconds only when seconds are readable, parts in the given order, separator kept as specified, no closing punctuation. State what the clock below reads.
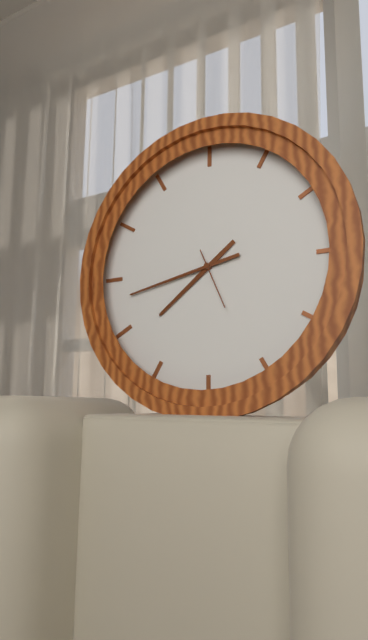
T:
7:43:26
